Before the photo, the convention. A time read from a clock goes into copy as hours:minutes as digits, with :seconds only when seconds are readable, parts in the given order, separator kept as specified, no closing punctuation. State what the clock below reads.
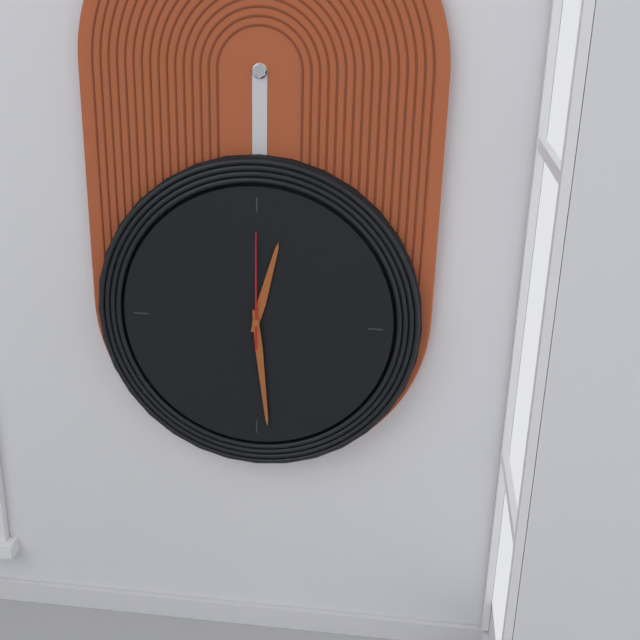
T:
12:29:00
